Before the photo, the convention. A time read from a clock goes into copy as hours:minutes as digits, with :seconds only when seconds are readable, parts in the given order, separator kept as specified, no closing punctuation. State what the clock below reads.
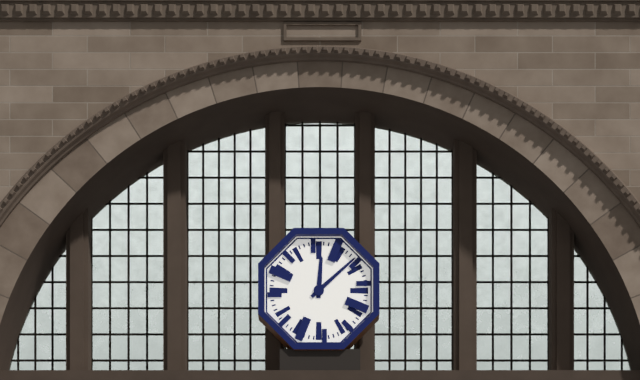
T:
12:08
